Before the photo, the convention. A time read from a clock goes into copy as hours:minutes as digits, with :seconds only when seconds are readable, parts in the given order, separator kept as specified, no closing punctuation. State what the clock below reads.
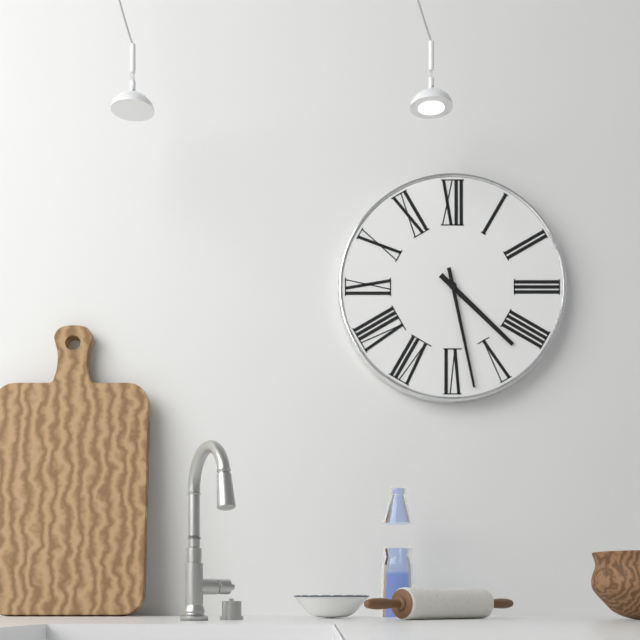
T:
4:28
